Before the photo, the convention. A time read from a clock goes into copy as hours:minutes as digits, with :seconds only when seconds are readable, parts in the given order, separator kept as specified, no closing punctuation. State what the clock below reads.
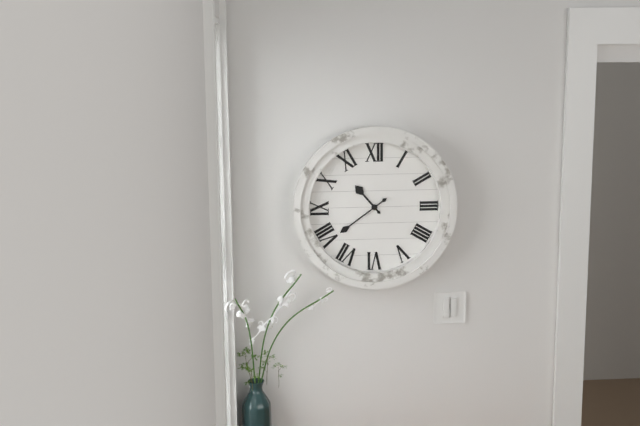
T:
10:39
